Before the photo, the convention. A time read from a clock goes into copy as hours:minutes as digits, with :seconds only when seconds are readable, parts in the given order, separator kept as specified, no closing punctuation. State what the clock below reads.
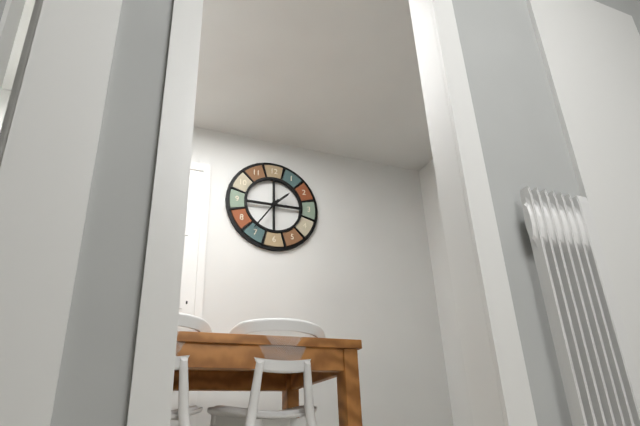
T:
1:36
